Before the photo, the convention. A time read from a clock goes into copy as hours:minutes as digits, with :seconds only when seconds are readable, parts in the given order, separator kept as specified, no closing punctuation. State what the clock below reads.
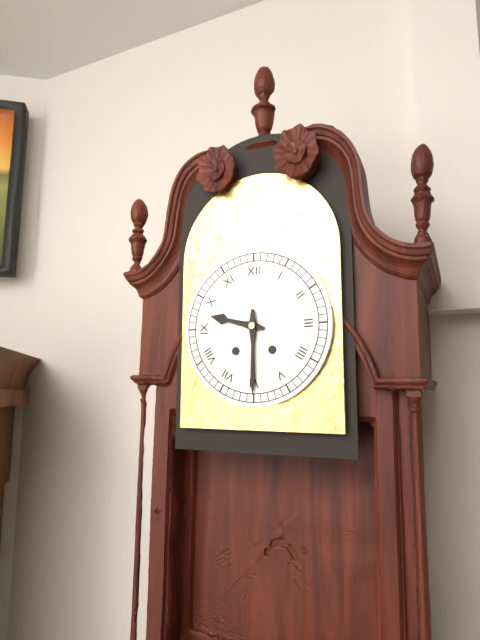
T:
9:30
